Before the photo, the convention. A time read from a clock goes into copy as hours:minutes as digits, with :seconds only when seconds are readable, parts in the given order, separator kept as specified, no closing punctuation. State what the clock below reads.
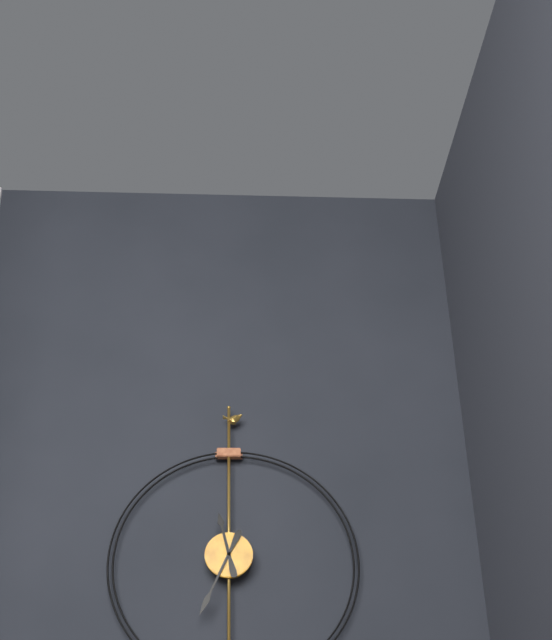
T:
11:34
